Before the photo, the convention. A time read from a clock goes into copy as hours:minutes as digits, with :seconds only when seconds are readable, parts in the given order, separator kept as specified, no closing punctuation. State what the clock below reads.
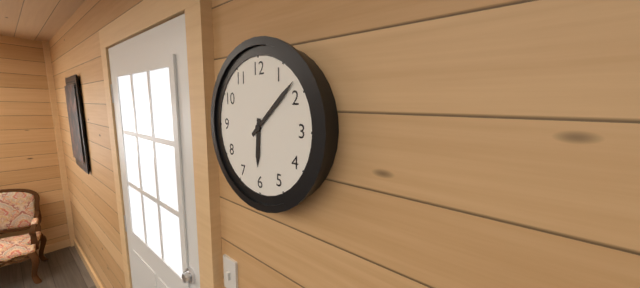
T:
6:08
